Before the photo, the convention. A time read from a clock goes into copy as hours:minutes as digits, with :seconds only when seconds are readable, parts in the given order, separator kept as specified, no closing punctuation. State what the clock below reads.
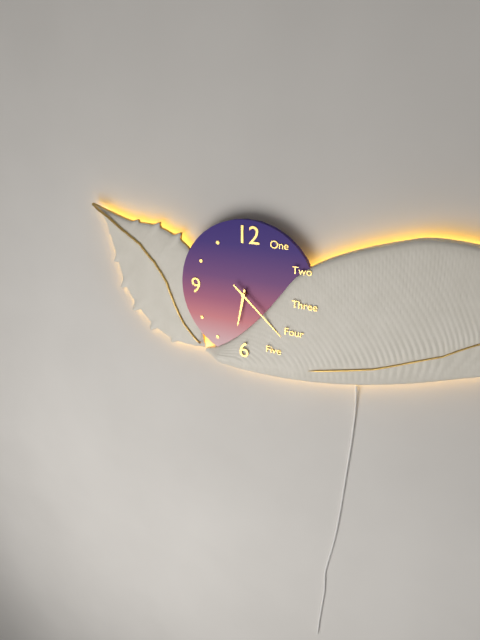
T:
6:22
